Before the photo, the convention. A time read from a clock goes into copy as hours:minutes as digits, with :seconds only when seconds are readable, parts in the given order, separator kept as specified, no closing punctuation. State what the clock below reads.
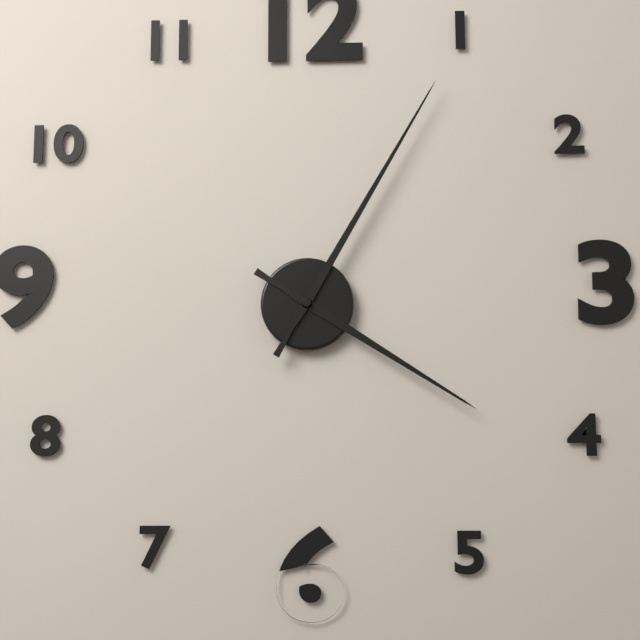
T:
4:05
